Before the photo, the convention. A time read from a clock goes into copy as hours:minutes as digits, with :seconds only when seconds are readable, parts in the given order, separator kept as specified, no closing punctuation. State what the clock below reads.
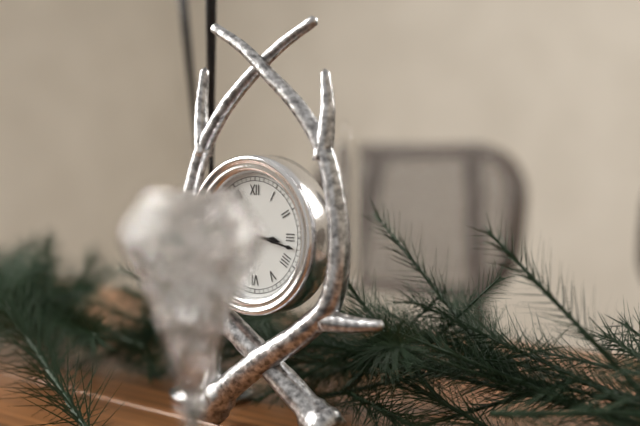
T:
3:17
